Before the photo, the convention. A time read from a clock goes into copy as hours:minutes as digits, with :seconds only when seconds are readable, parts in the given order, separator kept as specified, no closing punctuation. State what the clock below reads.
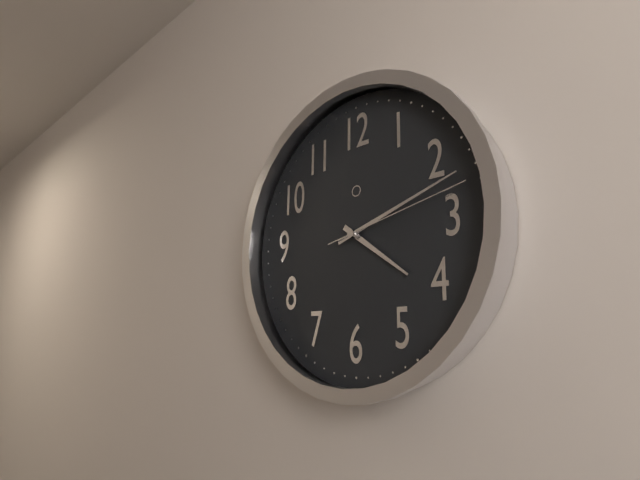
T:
4:12:13
